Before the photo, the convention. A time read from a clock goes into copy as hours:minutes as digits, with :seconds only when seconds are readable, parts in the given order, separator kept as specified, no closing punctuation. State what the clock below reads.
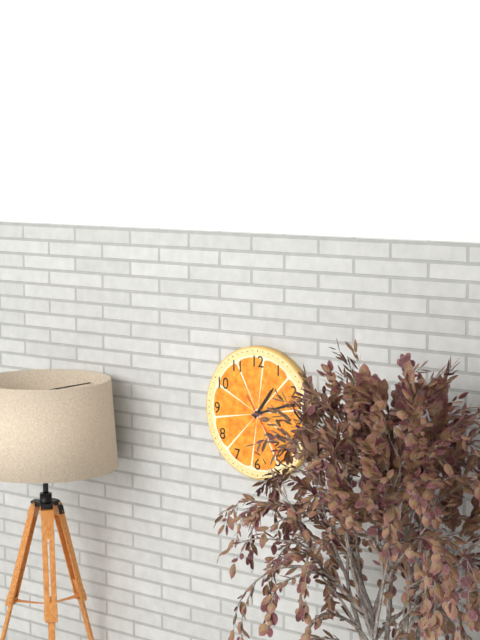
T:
1:12:24
